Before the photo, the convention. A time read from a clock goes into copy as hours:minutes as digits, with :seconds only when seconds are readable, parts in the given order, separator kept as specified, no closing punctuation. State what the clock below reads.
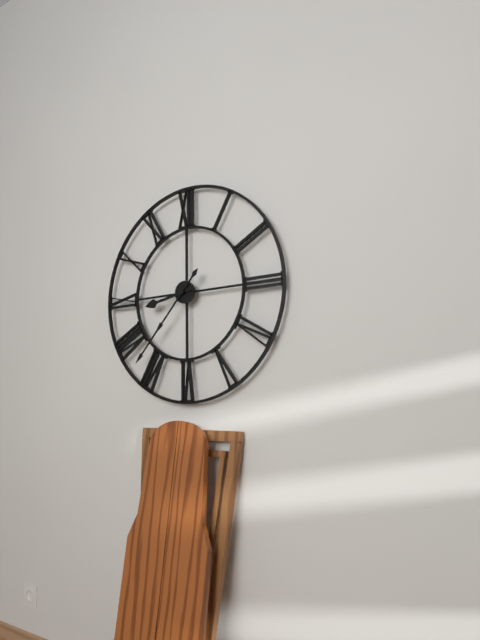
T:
8:37
